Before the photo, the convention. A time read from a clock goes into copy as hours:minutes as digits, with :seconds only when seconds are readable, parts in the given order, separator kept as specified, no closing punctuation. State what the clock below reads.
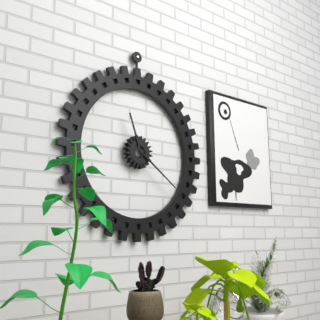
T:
11:21
